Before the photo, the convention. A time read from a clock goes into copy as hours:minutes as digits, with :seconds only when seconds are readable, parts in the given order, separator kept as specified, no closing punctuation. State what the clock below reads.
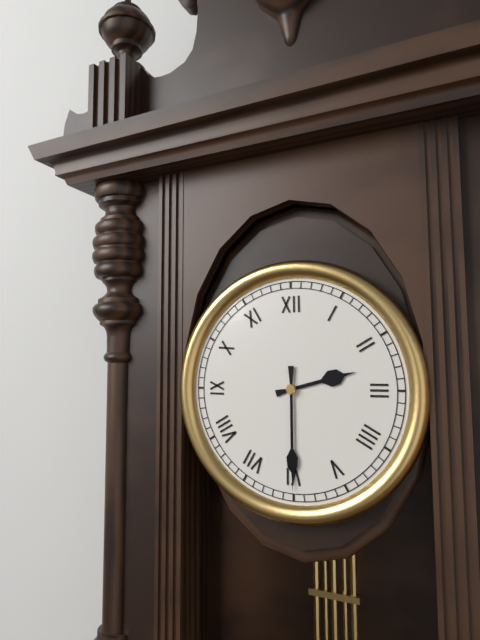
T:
2:30
